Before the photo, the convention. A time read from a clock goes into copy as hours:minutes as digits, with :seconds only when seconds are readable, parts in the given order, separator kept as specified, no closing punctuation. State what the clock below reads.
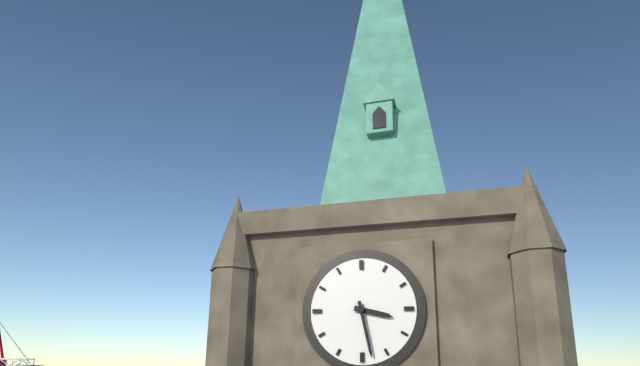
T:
3:28
